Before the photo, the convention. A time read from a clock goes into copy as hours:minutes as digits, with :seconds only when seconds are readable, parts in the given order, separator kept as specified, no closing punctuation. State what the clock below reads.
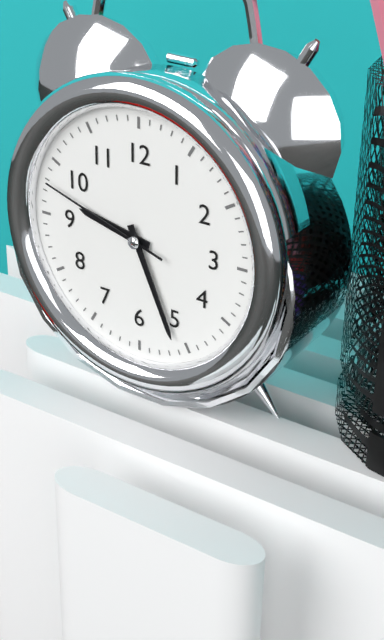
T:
9:26:48
